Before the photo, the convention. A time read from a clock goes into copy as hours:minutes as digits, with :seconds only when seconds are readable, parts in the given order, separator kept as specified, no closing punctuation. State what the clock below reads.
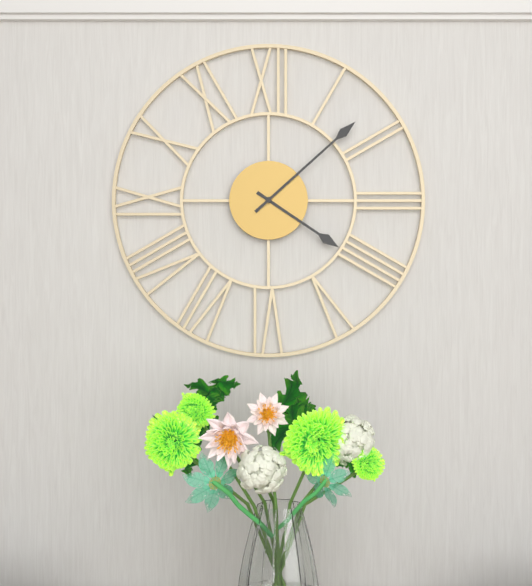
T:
4:08
